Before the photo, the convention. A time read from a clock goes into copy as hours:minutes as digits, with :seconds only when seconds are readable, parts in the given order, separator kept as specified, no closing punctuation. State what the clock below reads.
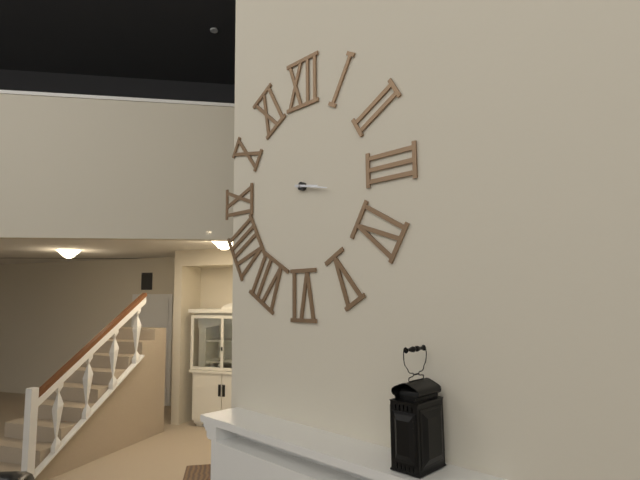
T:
3:17
